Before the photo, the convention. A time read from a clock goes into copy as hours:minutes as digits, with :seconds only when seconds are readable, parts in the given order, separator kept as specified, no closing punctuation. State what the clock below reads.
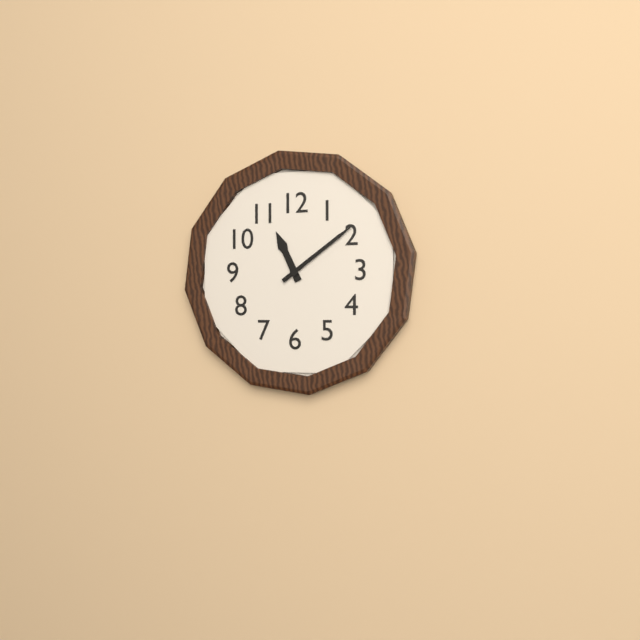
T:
11:09
